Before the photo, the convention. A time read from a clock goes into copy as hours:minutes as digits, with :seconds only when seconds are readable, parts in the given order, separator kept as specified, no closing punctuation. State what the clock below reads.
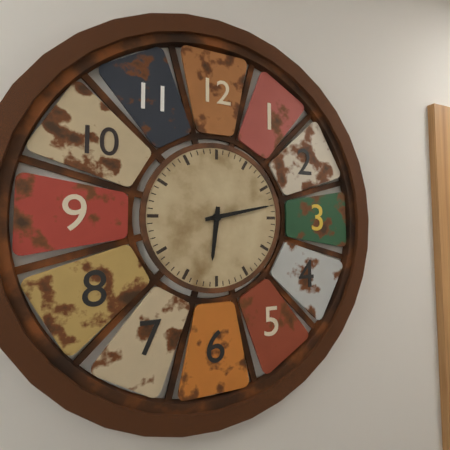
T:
6:13
